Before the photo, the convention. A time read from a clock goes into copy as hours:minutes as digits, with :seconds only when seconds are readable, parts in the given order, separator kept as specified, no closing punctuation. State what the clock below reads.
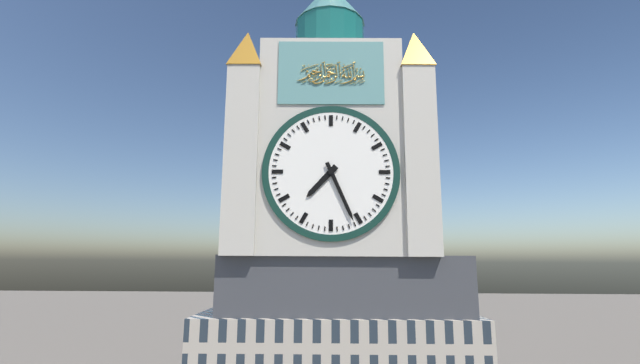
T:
7:26
